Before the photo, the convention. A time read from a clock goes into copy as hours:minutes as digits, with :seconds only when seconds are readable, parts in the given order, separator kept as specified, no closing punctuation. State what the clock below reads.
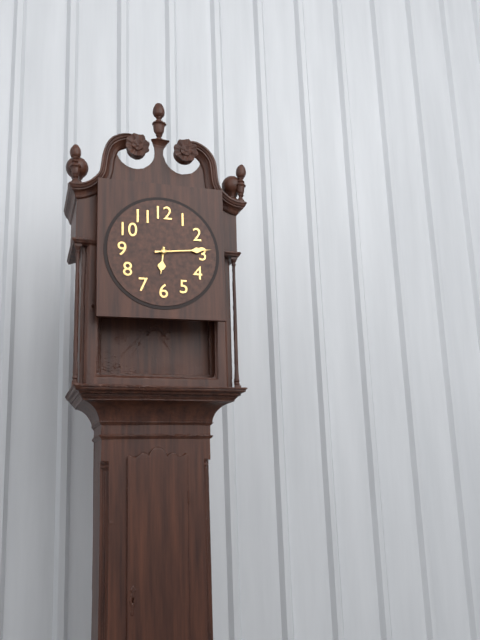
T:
6:14
